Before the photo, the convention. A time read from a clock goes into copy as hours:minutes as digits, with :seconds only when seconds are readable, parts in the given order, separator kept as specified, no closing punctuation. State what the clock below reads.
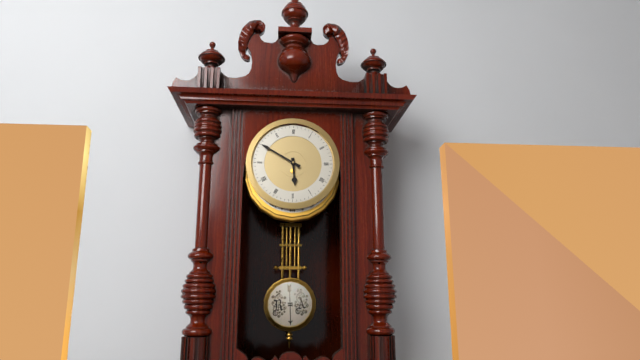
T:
5:50
